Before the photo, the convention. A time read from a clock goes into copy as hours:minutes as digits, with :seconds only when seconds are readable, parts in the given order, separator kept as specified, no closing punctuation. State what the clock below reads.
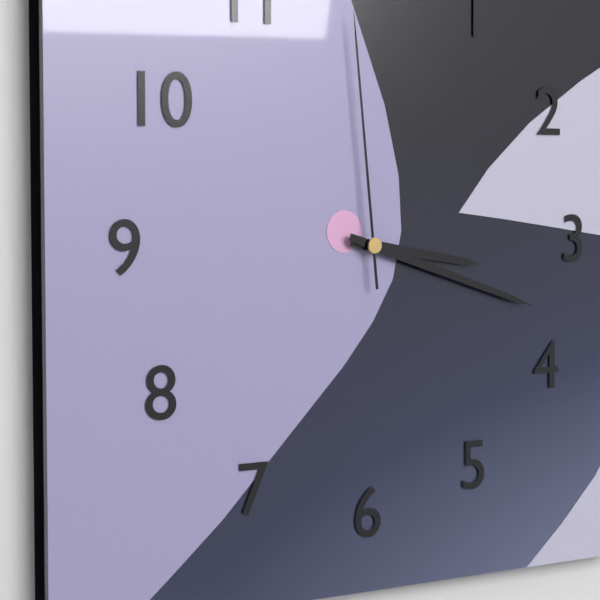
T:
3:18:59
